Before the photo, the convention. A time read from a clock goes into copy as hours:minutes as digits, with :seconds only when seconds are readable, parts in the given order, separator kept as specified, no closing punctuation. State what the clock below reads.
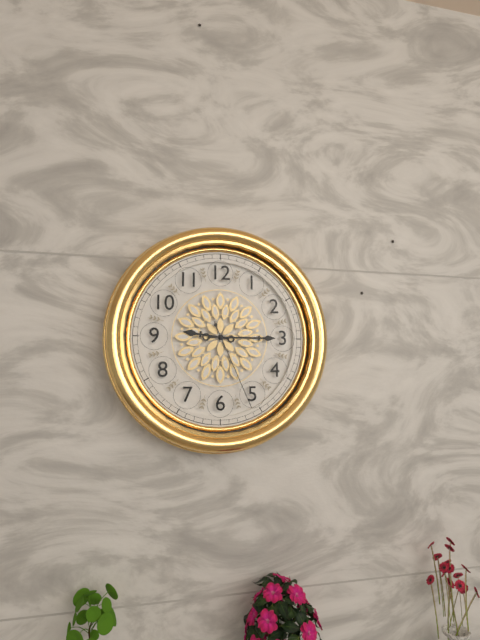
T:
9:15:26
